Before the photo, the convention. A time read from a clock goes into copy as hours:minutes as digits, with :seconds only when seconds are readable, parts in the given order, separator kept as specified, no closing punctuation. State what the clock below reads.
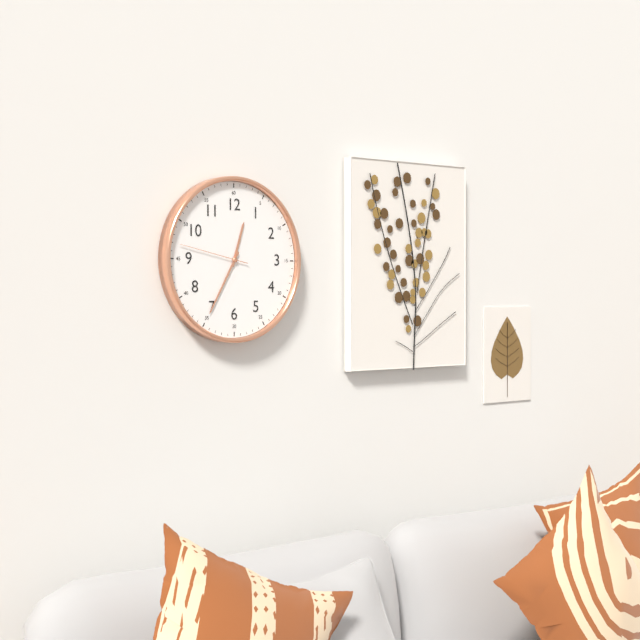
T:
12:35:47
